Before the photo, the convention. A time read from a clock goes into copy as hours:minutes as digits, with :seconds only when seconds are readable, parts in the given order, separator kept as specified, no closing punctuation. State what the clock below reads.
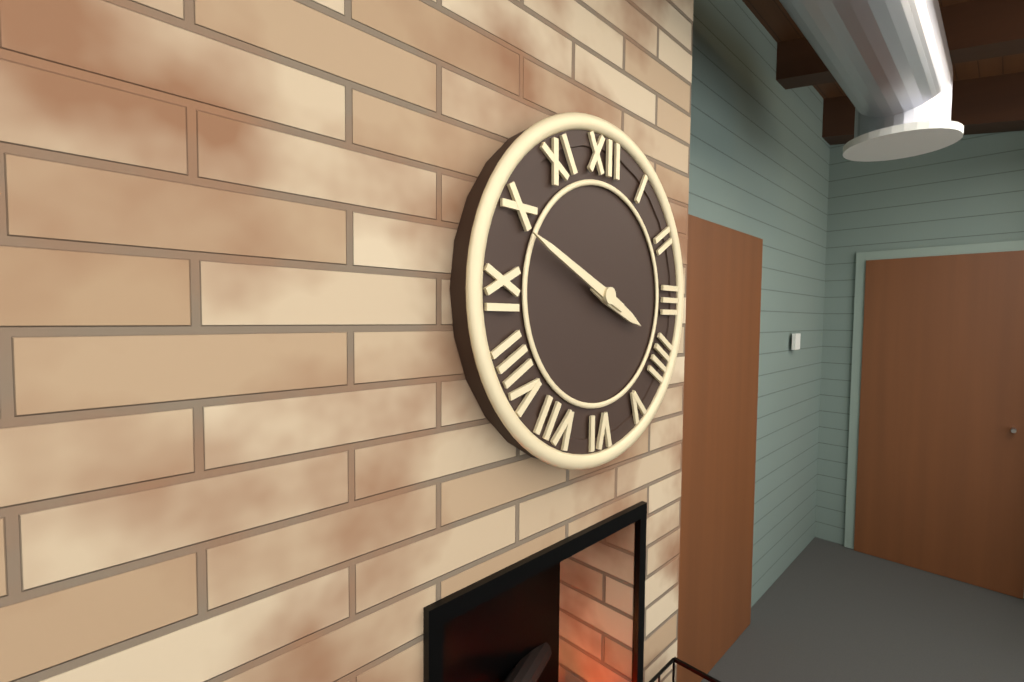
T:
3:49
